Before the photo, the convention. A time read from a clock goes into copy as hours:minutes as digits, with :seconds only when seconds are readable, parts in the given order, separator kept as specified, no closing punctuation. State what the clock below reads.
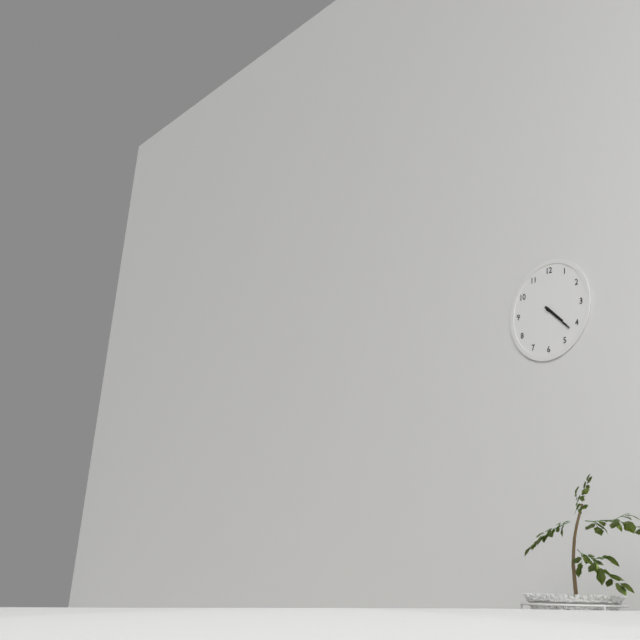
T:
4:22
